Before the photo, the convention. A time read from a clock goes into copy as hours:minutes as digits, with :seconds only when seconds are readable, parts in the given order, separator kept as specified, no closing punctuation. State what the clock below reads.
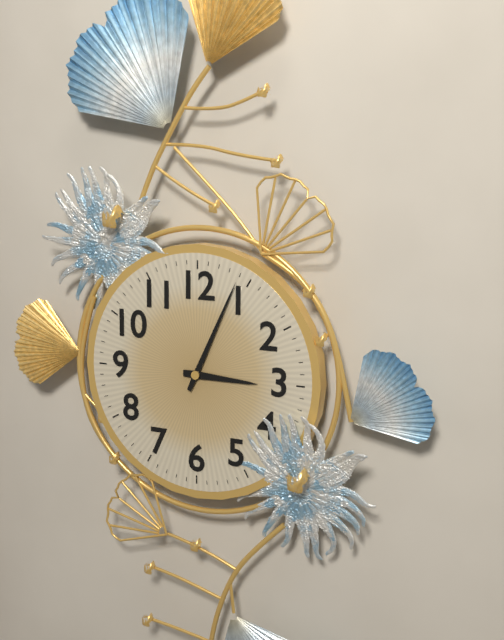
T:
3:04
